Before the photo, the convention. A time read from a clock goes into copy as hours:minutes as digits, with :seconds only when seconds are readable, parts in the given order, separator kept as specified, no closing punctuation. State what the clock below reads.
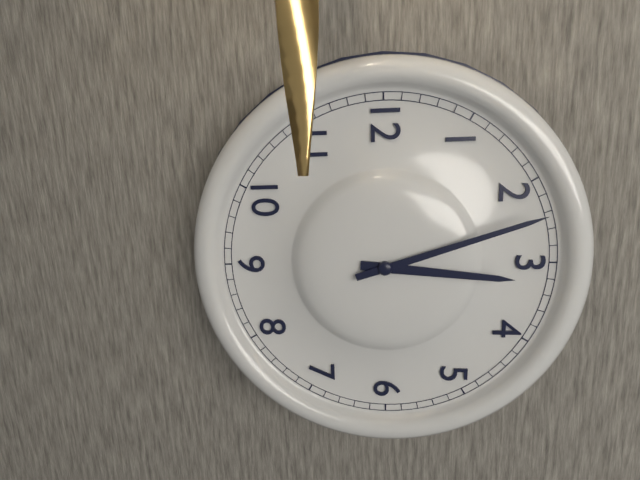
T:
3:12
